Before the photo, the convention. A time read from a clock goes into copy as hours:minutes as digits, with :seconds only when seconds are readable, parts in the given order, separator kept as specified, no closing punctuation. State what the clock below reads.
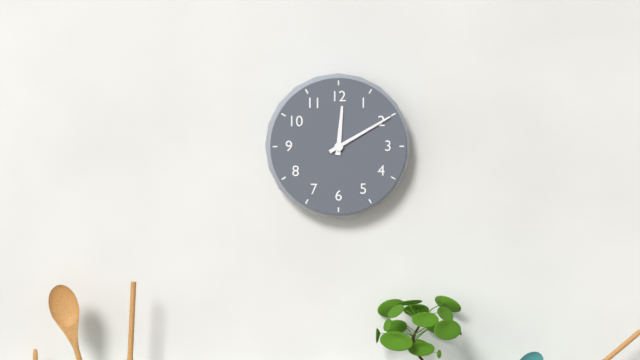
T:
12:10
